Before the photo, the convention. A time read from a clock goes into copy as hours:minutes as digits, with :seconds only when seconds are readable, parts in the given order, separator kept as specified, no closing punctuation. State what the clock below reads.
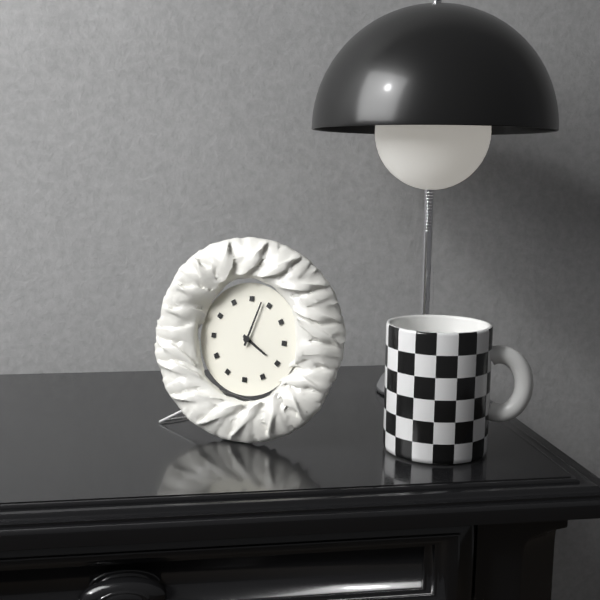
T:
4:03
